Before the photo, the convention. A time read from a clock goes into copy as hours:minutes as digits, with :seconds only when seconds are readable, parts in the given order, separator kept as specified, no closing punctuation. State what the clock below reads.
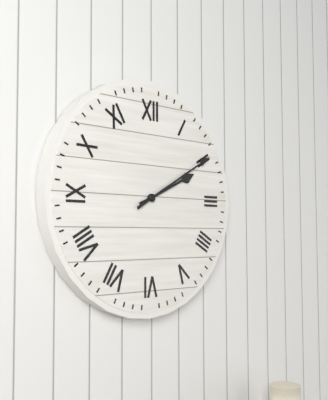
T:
2:10
